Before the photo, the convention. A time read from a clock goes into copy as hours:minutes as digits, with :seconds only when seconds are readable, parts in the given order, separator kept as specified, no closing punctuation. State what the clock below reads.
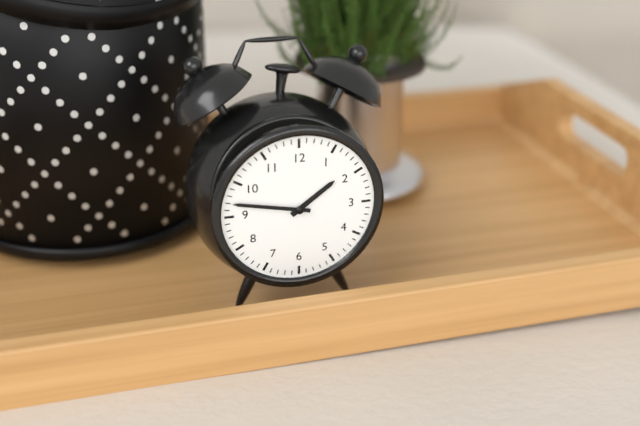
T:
1:47
